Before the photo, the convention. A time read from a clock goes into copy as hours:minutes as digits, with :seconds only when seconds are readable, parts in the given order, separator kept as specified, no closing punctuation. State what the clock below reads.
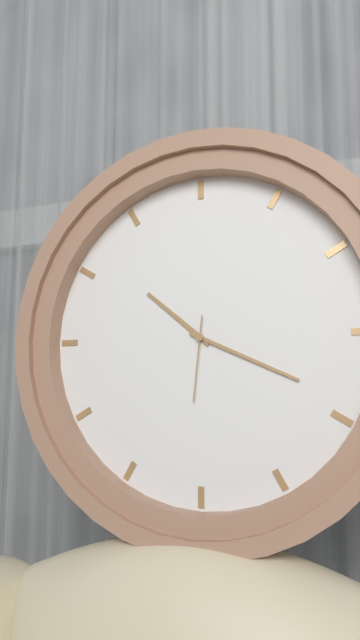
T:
10:19:31
